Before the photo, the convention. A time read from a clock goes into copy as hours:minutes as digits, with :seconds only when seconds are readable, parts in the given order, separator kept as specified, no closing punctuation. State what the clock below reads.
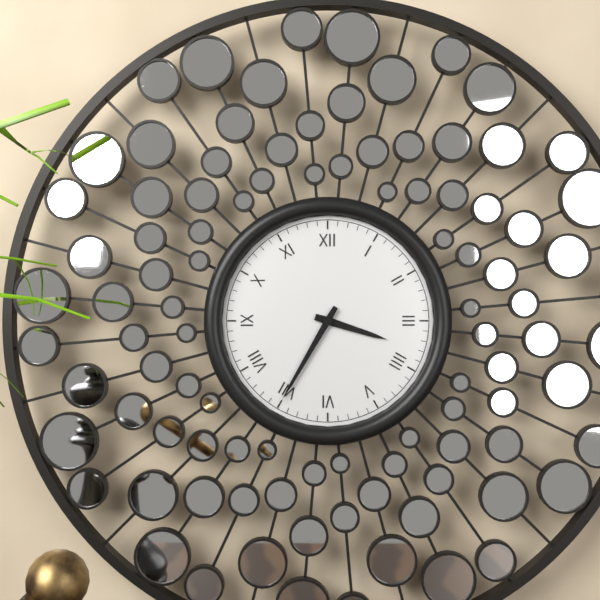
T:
3:35
